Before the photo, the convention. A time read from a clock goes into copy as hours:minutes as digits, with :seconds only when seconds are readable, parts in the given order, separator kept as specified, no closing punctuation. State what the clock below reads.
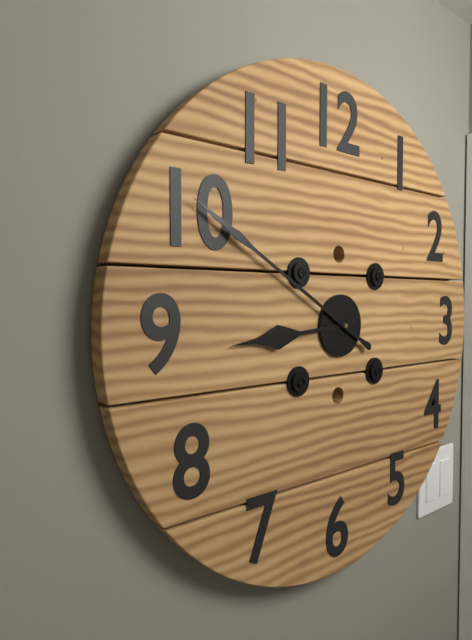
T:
8:50
